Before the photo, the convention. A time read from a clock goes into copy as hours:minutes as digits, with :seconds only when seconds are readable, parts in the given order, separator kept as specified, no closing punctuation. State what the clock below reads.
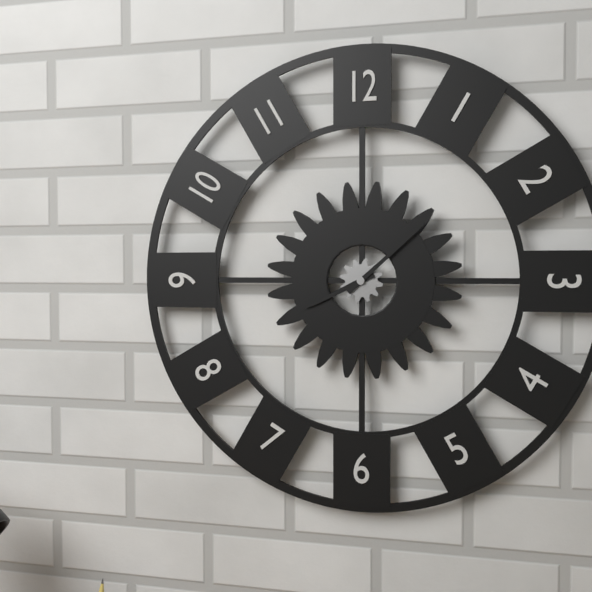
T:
8:08
